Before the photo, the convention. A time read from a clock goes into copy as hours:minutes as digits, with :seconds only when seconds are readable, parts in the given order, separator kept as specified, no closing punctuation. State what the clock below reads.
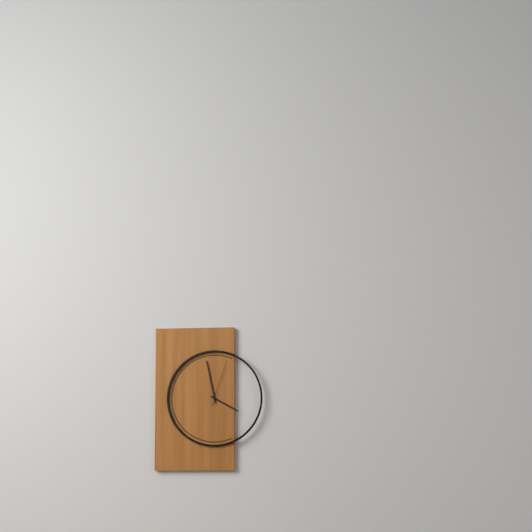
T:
3:58:03
